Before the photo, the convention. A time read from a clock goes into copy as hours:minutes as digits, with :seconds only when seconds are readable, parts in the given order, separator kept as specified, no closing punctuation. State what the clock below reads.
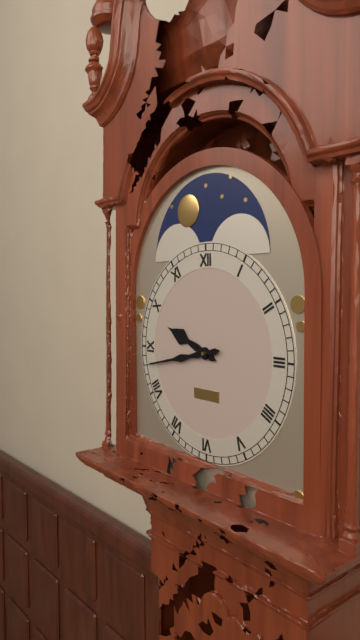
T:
9:43
